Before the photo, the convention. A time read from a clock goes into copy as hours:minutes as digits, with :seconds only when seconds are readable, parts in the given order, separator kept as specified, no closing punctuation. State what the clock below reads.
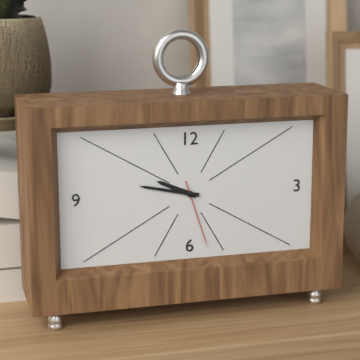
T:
9:47:27
